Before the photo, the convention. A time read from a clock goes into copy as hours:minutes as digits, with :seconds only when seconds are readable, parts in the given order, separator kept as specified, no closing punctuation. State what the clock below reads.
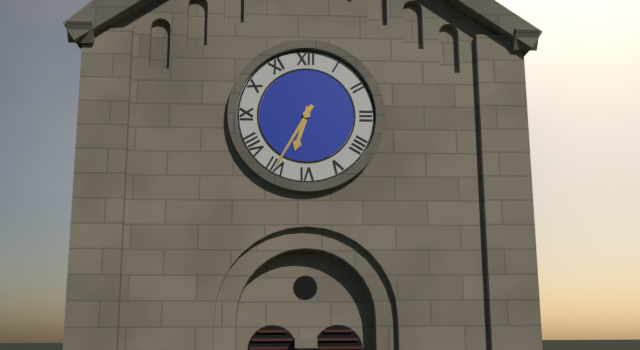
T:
6:35
